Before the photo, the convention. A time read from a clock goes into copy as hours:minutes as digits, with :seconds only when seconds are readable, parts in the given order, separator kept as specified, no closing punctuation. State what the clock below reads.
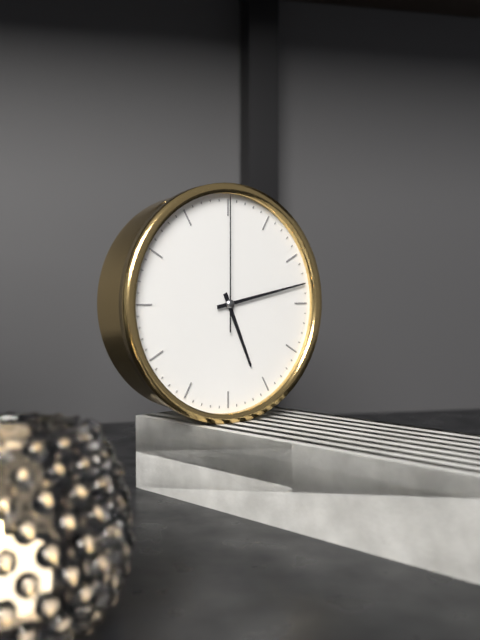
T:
5:13:00
